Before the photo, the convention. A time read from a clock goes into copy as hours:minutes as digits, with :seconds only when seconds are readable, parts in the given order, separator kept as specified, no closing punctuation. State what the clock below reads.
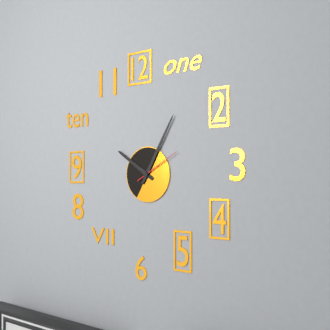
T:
10:05
